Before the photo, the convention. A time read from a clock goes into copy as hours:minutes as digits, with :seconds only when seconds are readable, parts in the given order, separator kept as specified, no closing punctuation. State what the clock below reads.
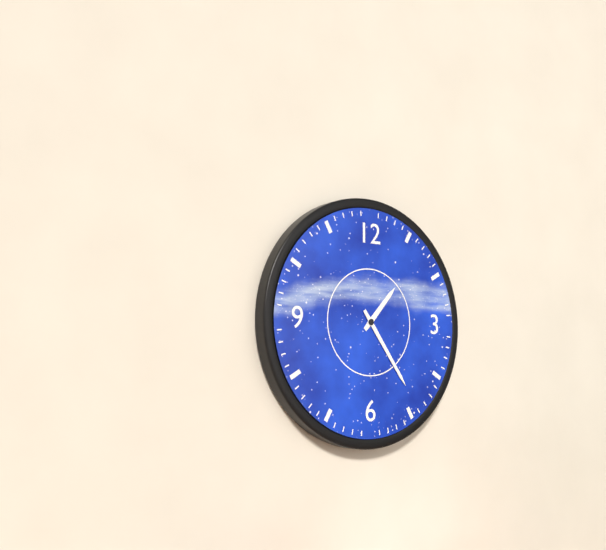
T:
1:24
